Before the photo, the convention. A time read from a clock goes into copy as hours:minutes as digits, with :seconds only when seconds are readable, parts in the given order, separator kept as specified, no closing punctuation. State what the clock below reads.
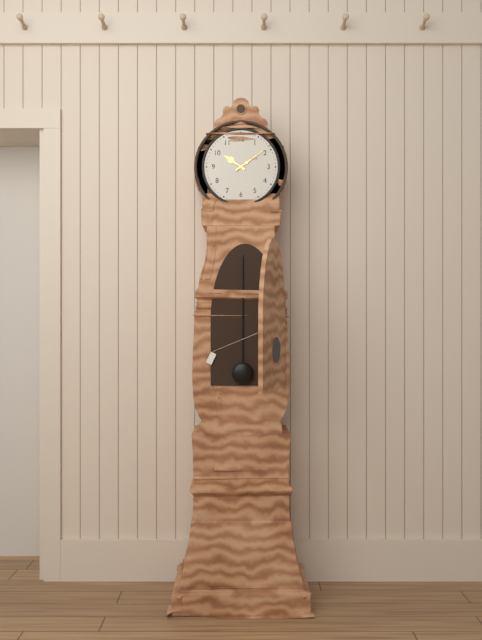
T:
10:09
